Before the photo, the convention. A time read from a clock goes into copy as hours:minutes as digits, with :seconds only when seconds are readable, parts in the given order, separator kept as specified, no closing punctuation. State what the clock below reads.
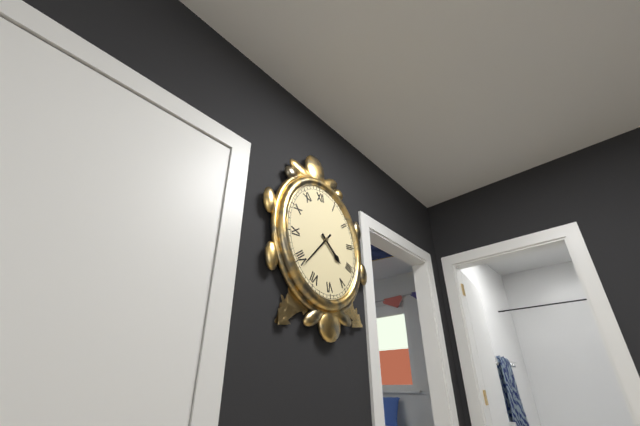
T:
4:38
